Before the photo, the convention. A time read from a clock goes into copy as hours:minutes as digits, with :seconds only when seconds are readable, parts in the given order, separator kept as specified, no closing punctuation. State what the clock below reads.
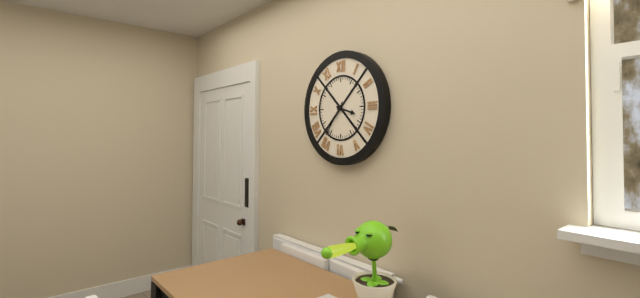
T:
3:36
